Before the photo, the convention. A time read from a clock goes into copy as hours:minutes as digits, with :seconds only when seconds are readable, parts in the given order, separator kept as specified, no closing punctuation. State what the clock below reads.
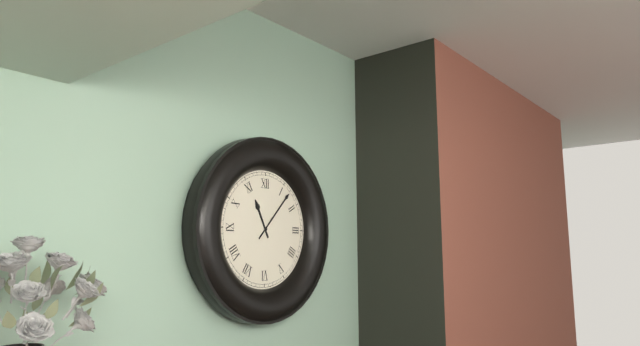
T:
11:07
